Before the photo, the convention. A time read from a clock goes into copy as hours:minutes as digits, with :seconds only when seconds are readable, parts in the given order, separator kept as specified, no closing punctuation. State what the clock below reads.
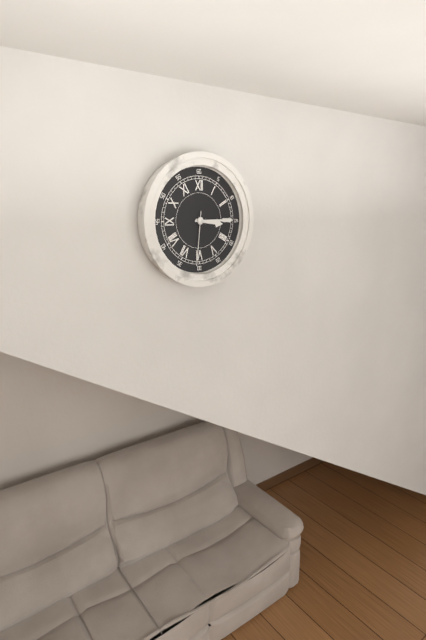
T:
3:15:31
